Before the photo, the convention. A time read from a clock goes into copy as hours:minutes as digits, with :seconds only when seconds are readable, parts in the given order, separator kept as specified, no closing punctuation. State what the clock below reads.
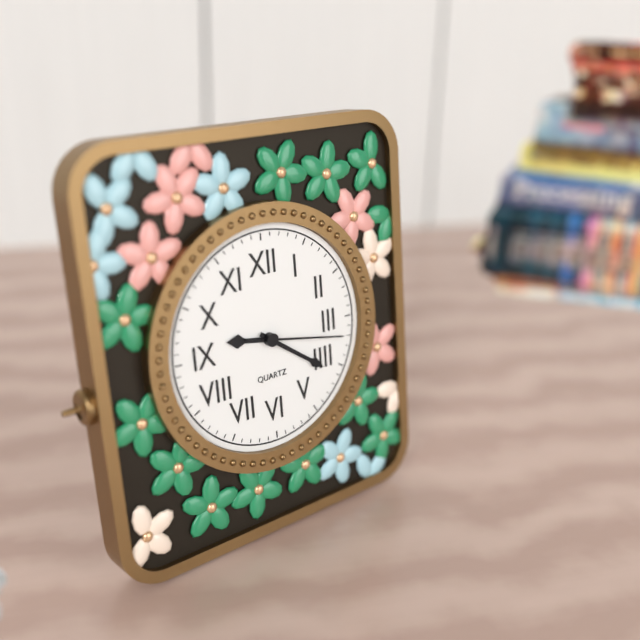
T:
9:21:17
